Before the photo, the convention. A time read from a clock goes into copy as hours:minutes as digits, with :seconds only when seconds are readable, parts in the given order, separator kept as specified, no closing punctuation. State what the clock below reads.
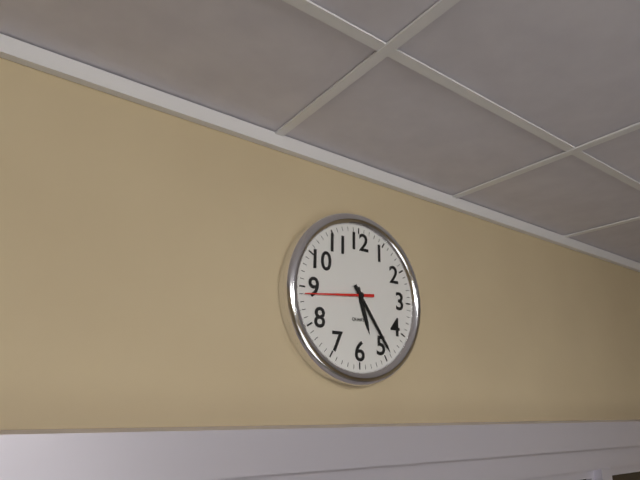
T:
5:24:44
